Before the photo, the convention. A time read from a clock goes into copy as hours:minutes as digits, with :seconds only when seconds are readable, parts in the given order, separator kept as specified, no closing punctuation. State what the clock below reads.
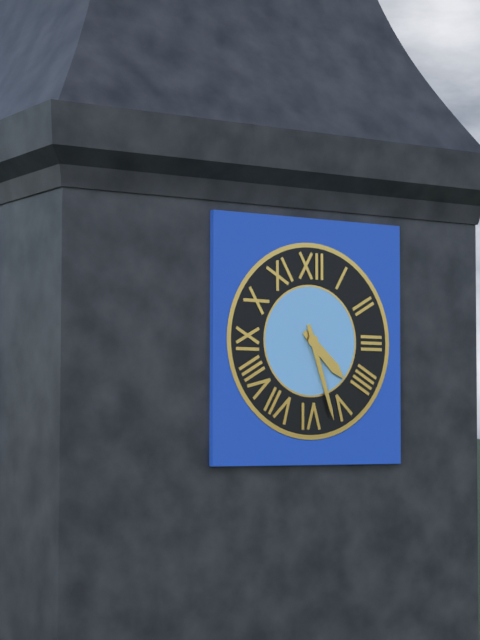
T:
4:27
